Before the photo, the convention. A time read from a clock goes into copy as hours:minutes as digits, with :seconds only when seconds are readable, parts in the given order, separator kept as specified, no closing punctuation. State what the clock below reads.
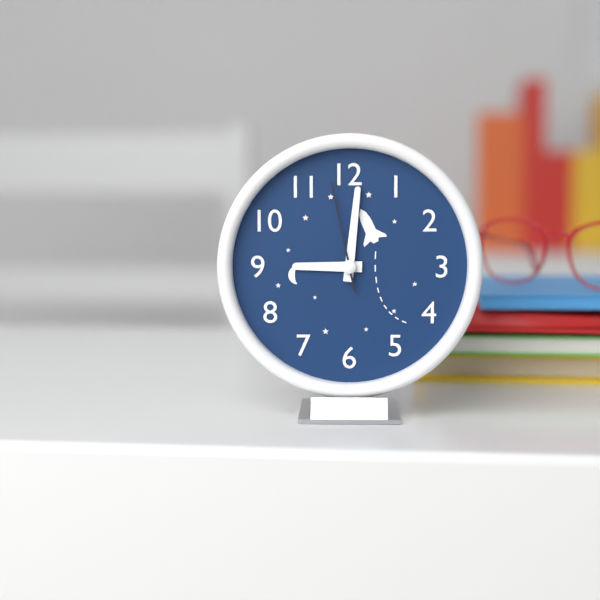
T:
9:01:58
